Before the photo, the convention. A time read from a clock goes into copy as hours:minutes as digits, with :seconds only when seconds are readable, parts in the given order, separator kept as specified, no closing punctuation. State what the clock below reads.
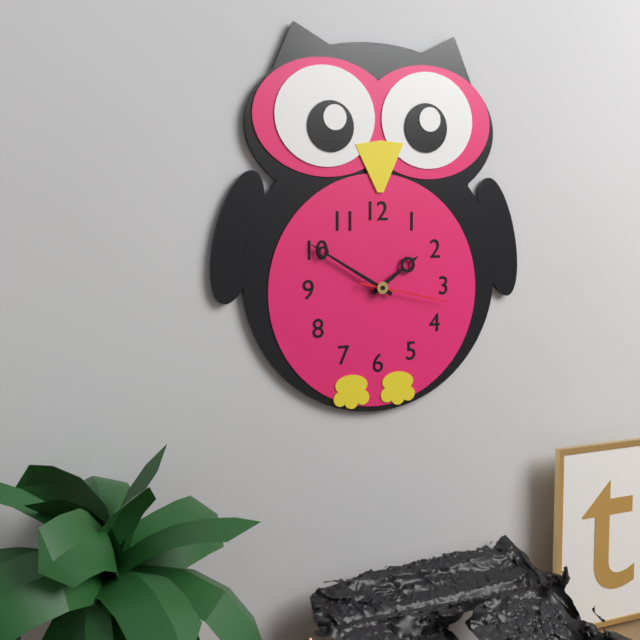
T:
1:50:17
